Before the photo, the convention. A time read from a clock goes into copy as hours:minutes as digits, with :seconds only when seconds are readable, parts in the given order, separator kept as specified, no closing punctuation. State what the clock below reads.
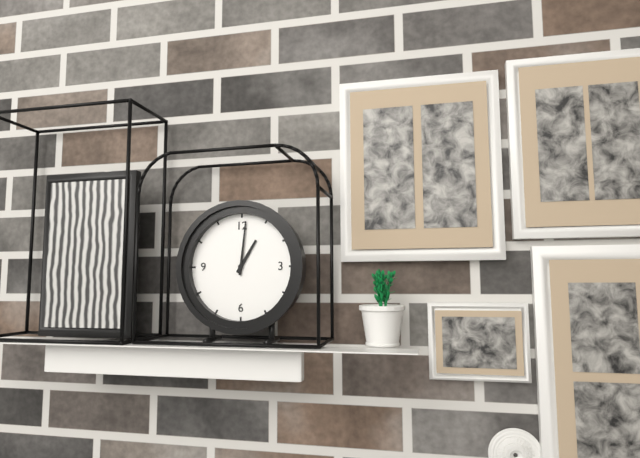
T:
1:01
